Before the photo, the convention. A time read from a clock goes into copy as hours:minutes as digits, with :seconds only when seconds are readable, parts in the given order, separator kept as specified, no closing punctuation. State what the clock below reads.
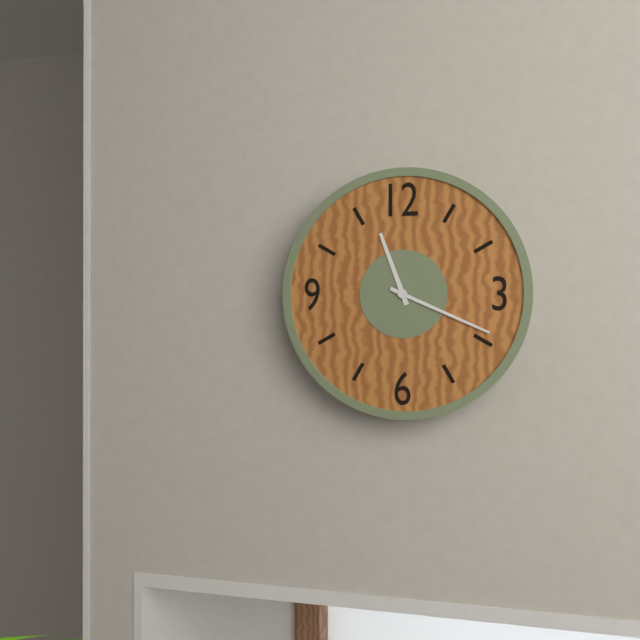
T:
11:19
